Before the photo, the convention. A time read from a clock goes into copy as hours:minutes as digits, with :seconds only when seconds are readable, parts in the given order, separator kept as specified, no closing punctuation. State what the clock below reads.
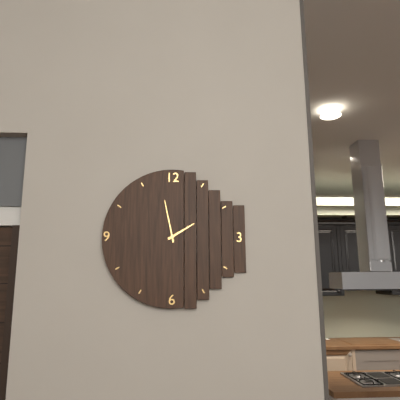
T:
1:58
